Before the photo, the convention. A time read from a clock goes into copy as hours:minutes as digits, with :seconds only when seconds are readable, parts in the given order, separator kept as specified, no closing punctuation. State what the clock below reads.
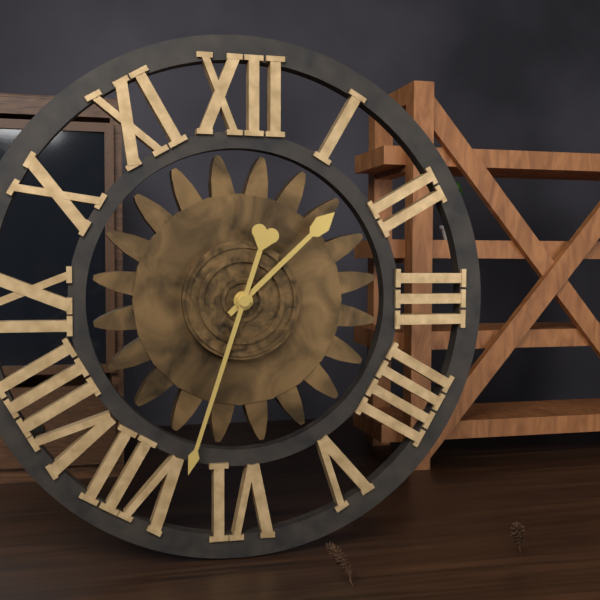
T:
1:33
